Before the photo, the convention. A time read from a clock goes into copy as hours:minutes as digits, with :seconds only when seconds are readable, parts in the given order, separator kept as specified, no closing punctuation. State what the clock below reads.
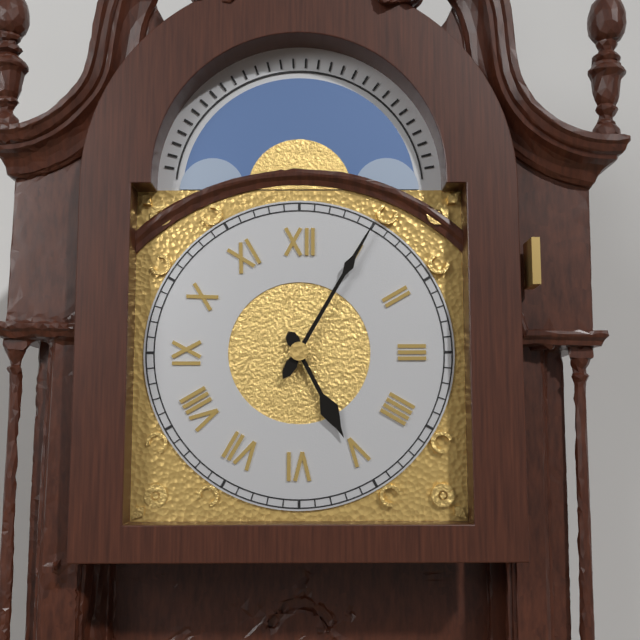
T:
5:05
